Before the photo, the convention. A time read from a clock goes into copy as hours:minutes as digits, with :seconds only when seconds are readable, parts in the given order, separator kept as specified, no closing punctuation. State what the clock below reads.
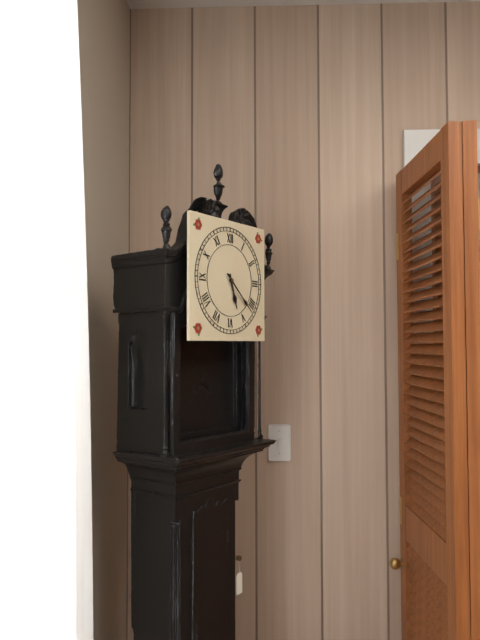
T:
5:22
